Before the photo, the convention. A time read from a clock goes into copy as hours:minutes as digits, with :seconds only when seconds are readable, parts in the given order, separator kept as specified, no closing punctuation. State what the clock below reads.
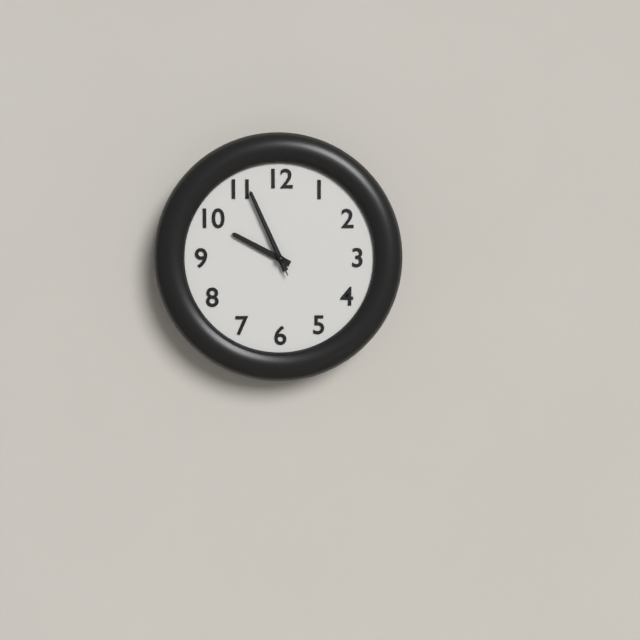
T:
9:56:56
